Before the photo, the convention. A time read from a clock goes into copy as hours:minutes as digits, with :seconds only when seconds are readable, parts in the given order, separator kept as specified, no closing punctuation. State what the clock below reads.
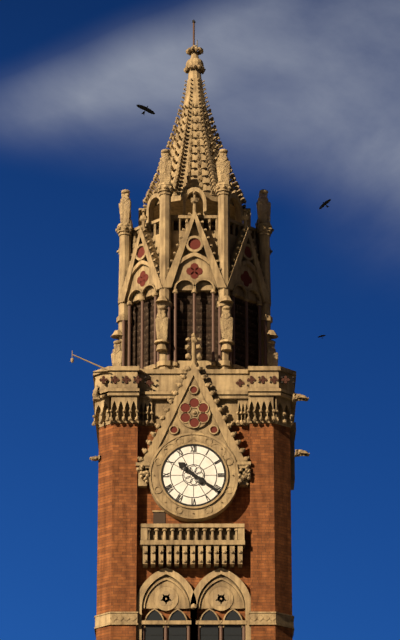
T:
10:21
